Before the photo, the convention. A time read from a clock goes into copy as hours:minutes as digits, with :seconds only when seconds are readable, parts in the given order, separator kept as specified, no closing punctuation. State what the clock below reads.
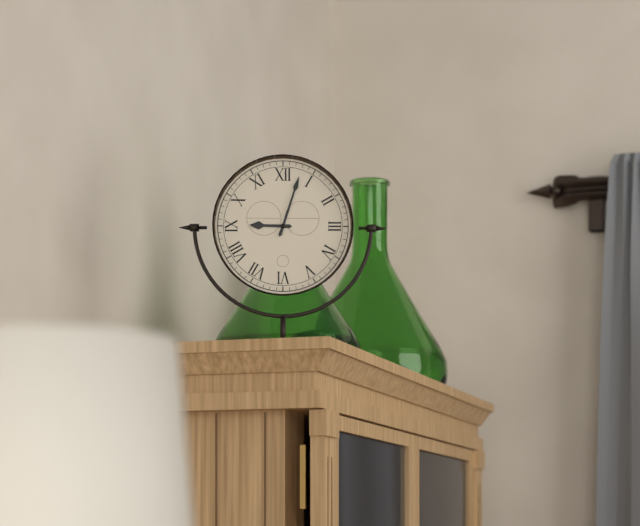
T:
9:03
